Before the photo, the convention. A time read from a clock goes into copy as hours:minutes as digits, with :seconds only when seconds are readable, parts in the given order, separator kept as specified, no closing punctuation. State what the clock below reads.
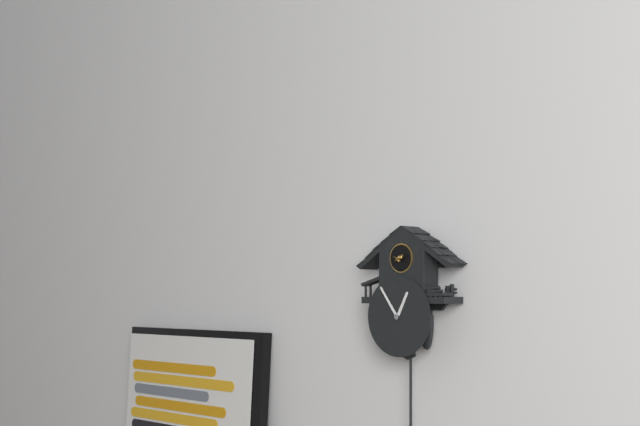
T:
12:54
